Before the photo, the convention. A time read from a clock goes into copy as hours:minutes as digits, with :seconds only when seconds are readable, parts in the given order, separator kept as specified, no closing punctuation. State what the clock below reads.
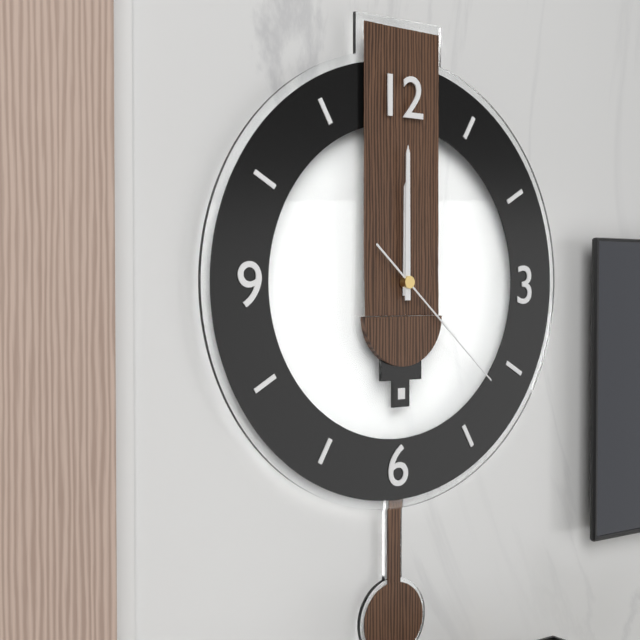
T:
12:00:22
